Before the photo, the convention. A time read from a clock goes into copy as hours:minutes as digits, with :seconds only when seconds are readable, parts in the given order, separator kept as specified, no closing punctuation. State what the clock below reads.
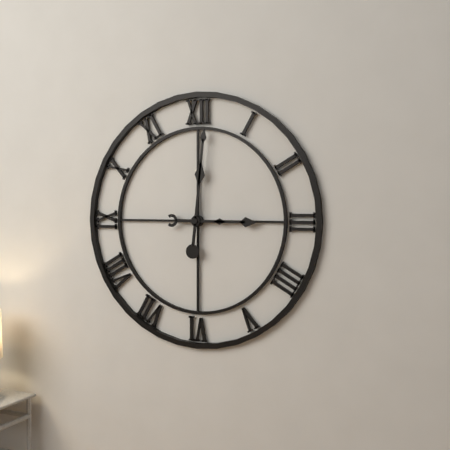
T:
3:01
